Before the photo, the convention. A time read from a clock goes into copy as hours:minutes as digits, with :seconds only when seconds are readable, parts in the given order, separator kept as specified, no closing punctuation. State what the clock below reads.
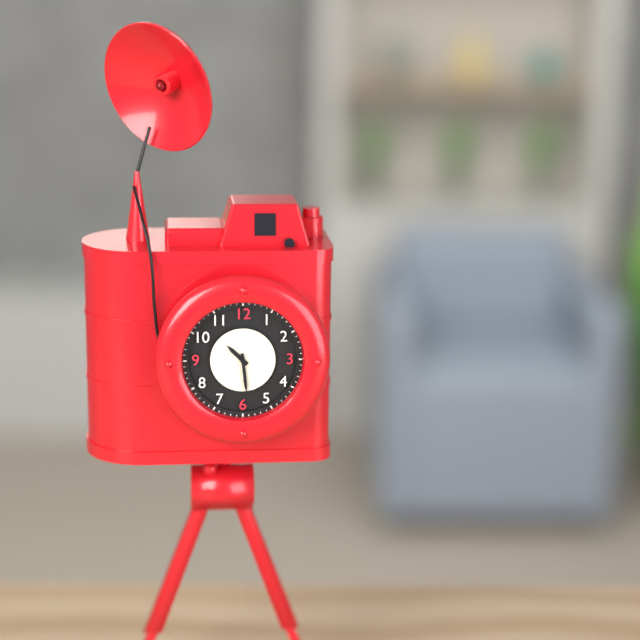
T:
10:29
